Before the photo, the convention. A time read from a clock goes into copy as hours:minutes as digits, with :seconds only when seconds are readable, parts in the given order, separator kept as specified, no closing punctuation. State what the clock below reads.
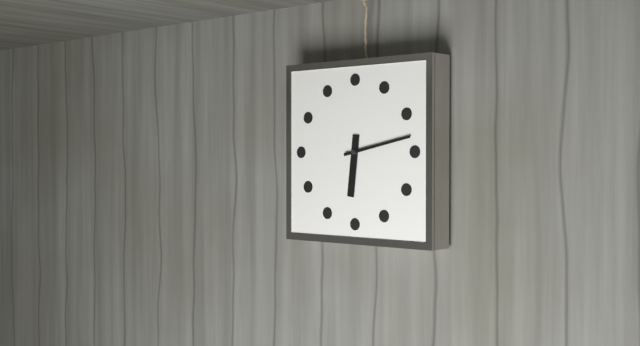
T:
6:13
